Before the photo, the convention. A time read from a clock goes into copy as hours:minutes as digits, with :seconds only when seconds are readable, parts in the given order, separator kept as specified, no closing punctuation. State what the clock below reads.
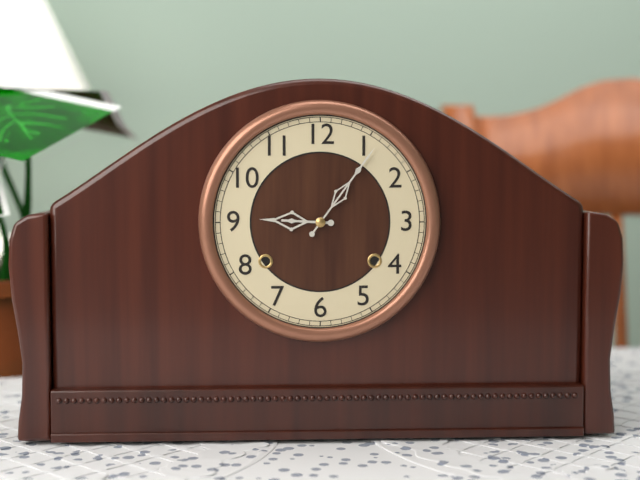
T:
9:06
